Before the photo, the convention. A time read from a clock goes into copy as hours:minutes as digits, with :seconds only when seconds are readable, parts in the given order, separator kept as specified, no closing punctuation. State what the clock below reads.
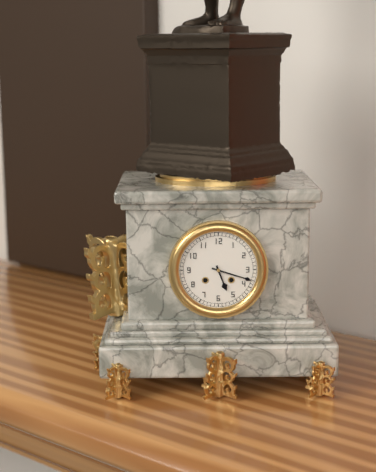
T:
5:18
